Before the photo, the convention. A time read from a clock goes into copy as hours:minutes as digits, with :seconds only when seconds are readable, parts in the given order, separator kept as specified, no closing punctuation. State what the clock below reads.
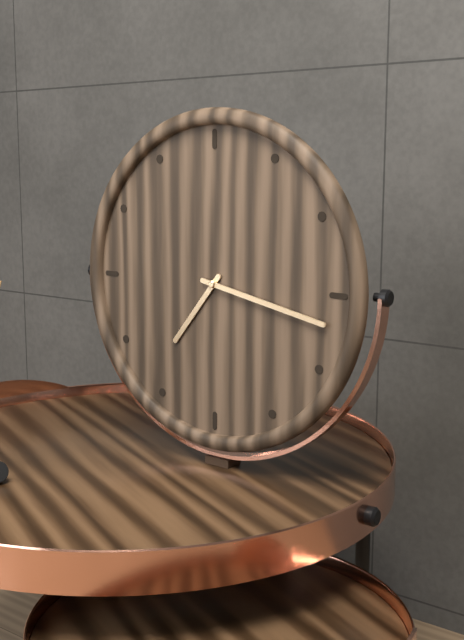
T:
7:17
